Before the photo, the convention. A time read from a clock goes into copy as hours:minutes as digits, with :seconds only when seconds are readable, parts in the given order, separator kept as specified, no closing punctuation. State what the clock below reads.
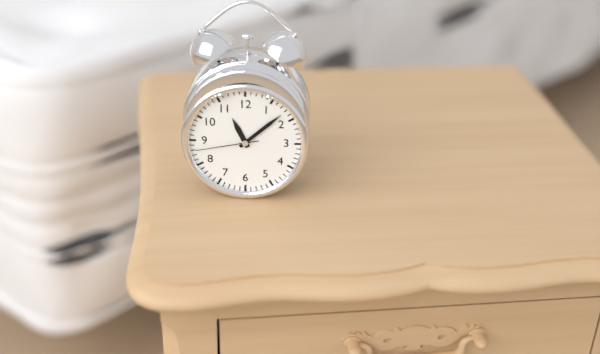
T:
11:08:43
